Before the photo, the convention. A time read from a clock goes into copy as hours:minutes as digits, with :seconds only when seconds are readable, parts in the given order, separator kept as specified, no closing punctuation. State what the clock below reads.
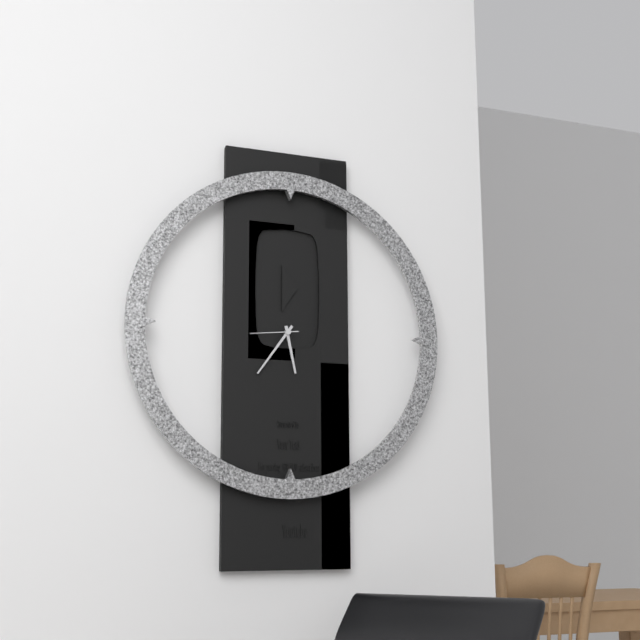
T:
5:36
